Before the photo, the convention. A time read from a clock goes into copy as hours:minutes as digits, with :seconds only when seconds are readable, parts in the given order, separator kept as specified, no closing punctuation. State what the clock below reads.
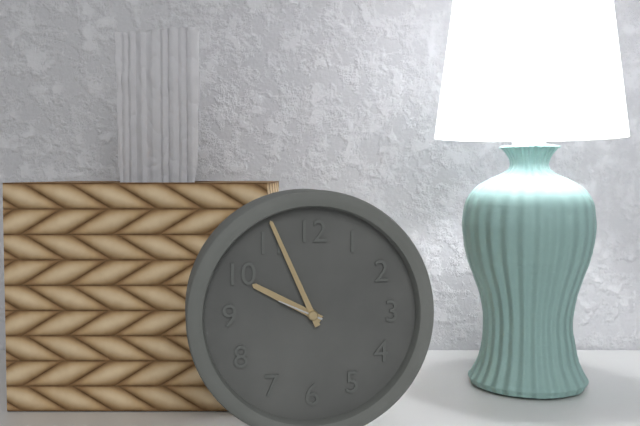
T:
9:56
